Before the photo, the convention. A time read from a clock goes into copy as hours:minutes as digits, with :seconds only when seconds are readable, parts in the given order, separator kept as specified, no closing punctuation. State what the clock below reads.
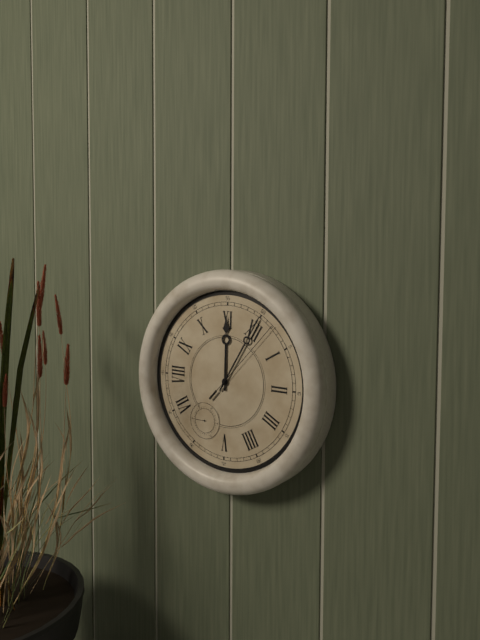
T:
11:00:02
